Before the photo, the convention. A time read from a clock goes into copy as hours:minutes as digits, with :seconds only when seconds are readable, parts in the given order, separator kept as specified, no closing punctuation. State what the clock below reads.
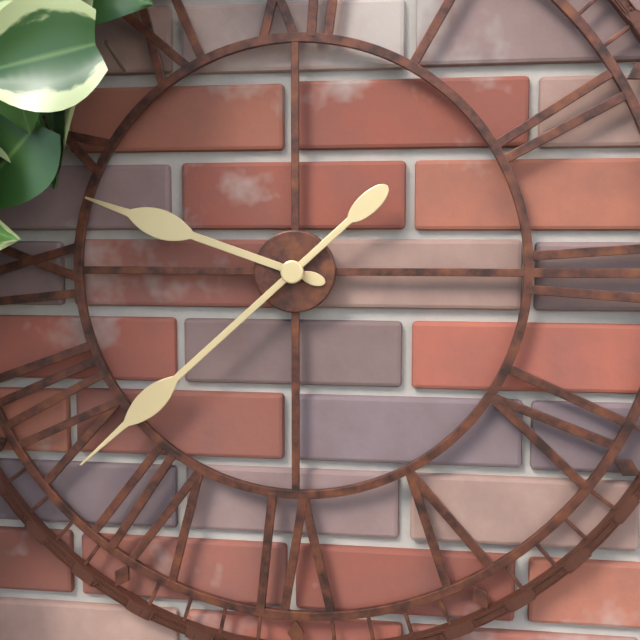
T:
9:38
